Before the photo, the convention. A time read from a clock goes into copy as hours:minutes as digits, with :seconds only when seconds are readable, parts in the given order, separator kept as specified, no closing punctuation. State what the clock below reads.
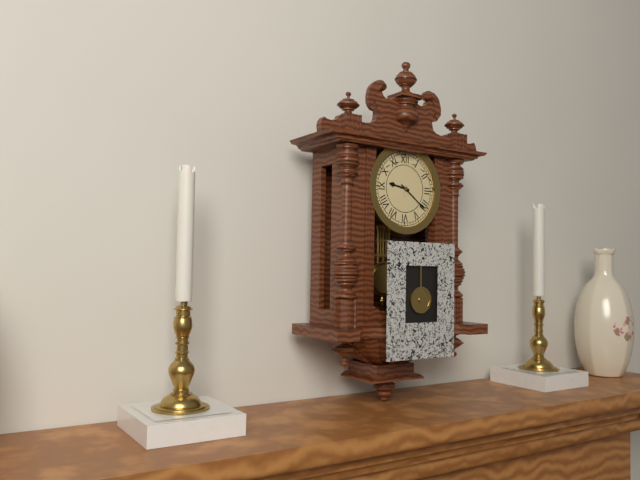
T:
9:21
